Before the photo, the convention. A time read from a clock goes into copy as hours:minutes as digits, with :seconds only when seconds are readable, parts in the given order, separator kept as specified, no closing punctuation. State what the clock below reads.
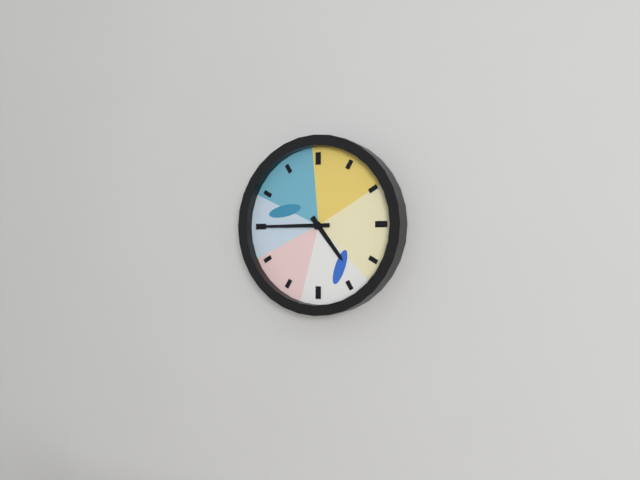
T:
4:45
